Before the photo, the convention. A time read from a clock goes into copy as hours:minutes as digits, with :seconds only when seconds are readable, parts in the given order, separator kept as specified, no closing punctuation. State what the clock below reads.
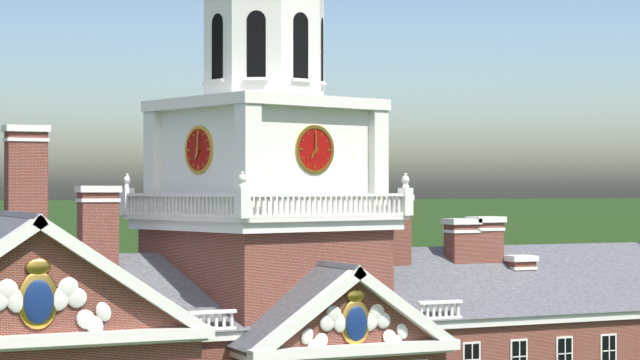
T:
7:00
